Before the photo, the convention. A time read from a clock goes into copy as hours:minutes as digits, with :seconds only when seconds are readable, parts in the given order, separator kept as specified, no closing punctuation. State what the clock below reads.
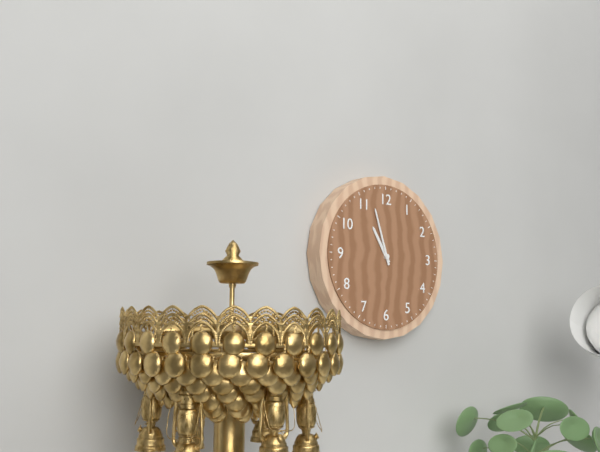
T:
10:57
